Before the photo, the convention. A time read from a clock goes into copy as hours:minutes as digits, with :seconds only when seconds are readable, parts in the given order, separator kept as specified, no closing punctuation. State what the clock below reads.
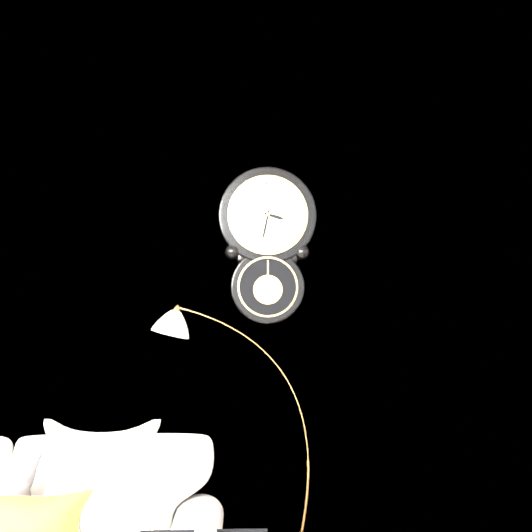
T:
3:32
